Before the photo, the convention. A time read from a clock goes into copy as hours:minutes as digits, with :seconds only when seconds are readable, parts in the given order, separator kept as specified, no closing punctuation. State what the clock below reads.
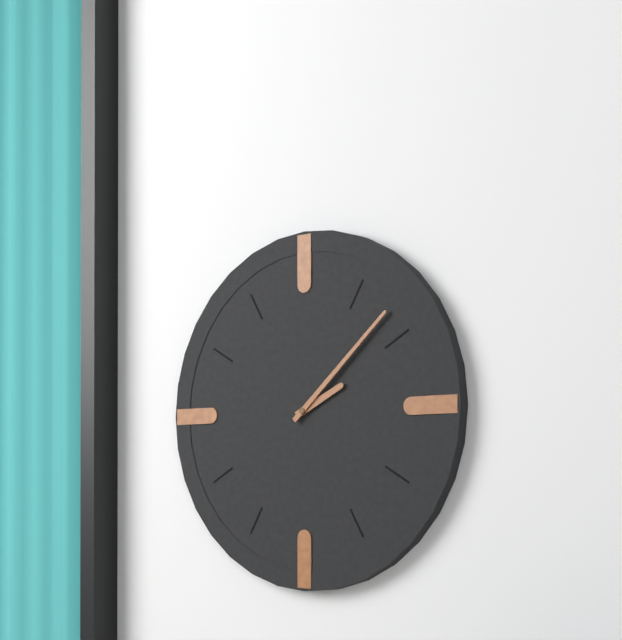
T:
2:08
